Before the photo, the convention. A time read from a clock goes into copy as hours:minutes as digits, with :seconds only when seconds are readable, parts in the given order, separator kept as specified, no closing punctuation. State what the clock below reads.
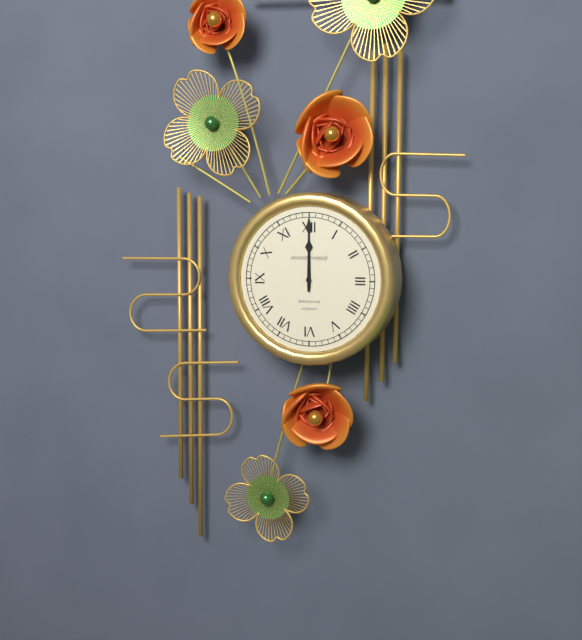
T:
12:00
